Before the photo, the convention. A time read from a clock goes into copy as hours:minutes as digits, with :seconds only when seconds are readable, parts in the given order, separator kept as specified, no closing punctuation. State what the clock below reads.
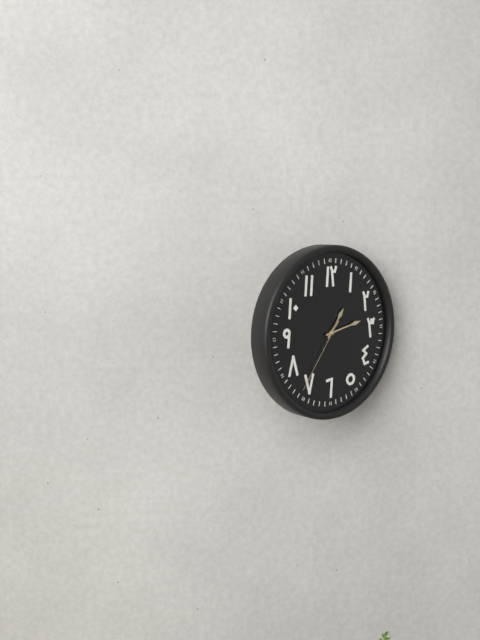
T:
1:13:36
